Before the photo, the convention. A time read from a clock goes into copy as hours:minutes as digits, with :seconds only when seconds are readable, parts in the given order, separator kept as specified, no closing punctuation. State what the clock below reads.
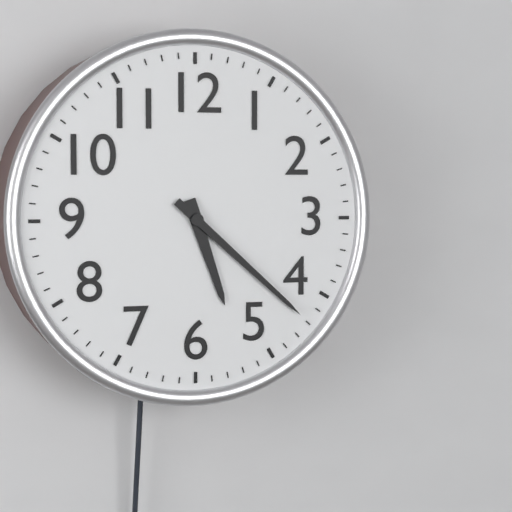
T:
5:22
